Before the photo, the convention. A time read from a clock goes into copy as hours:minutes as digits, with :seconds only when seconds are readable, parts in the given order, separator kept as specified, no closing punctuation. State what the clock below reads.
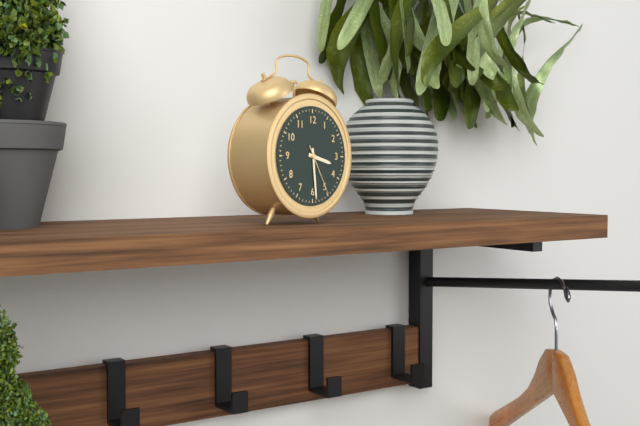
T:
3:29:25
